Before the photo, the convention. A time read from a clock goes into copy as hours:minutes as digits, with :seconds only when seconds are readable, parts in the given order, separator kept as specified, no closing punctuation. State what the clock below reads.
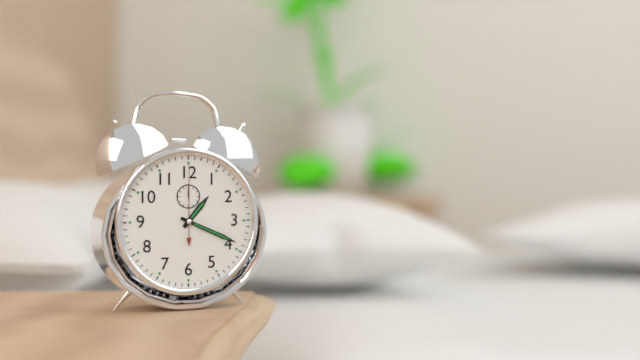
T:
1:19:00
